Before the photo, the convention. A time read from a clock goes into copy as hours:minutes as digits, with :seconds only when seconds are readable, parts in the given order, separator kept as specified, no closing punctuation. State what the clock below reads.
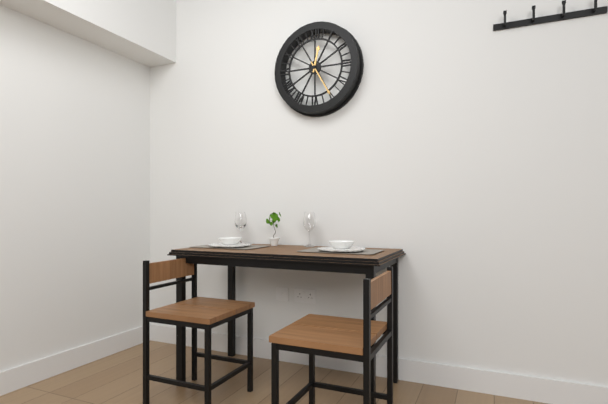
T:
12:25
